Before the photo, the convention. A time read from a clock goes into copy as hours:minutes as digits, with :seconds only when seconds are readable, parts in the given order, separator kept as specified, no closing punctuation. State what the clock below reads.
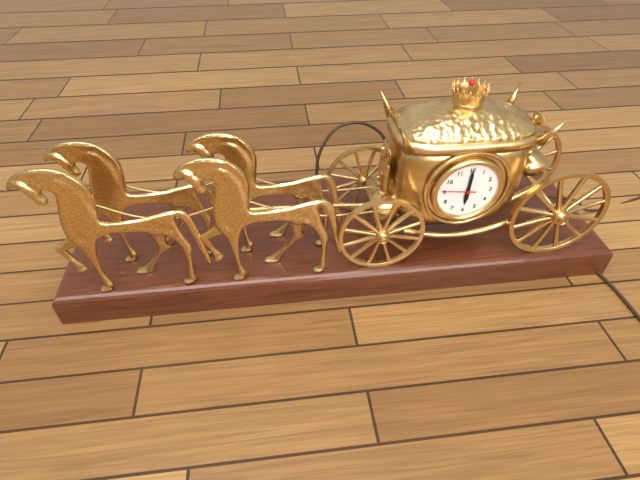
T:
6:00
